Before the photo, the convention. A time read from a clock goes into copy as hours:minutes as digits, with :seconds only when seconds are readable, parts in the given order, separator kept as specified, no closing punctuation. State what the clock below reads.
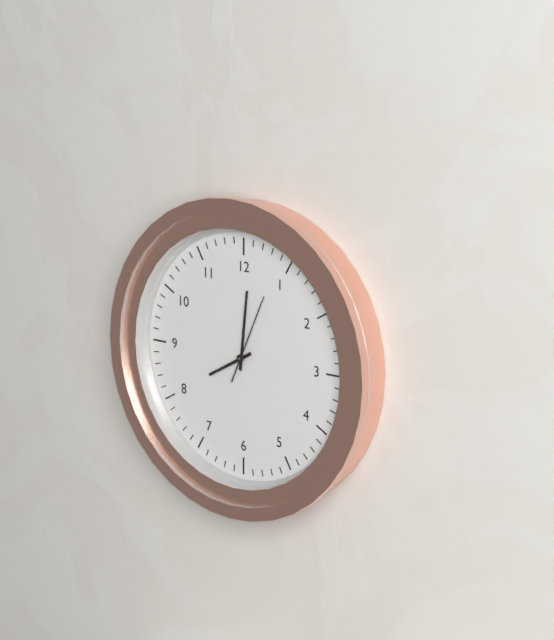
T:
8:01:04
